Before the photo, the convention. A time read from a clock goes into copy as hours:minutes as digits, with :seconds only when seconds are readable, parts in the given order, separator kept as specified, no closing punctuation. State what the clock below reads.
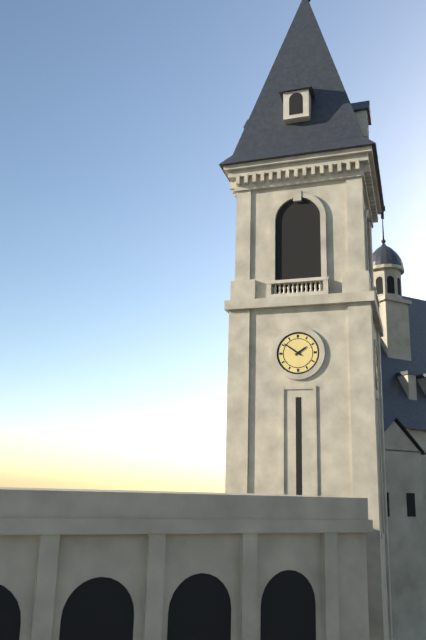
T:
1:51
